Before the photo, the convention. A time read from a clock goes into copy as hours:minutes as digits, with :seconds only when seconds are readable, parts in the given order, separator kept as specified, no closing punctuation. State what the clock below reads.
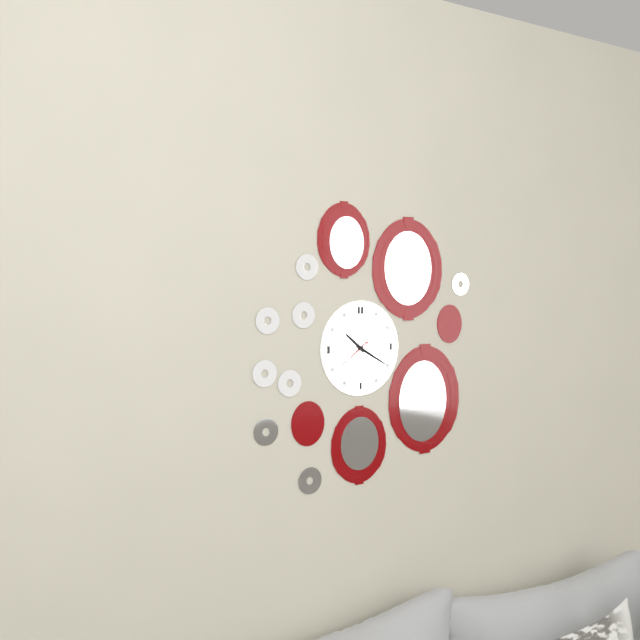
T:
10:20
